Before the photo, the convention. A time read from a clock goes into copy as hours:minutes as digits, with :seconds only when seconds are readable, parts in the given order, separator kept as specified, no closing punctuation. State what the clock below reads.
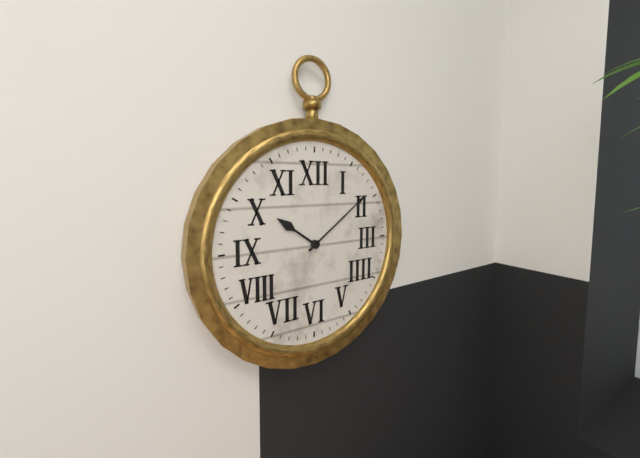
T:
10:09
